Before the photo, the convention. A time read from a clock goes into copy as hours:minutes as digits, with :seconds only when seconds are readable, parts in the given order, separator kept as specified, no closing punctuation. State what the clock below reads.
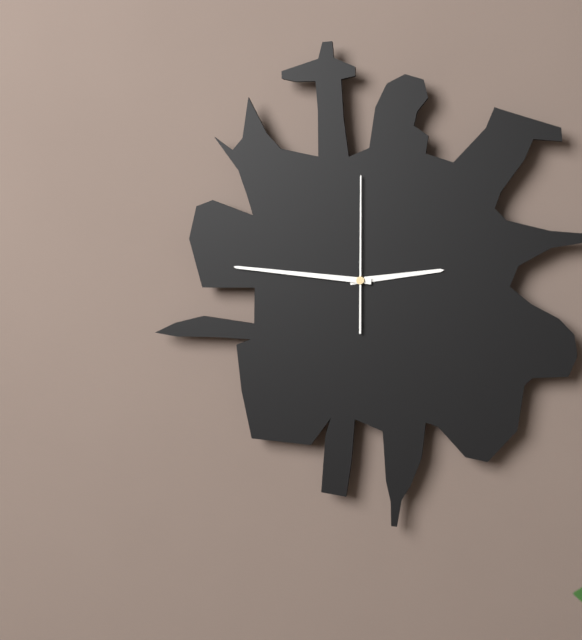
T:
2:46:00
